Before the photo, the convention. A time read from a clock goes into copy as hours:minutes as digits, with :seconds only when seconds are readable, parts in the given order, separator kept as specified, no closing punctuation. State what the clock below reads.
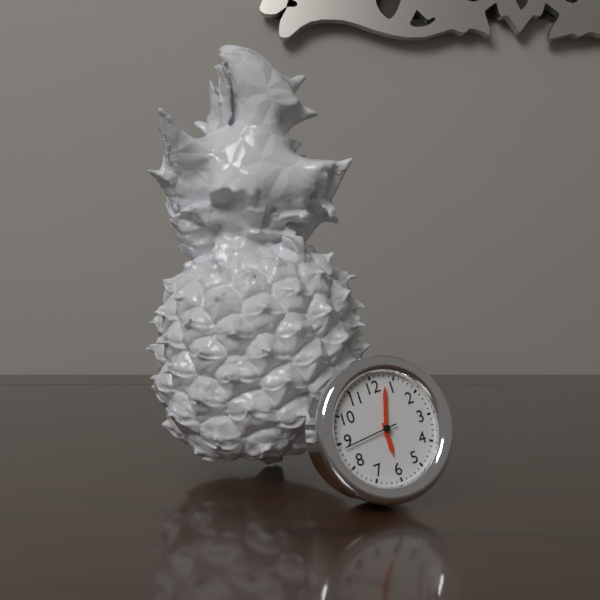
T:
6:03:44
